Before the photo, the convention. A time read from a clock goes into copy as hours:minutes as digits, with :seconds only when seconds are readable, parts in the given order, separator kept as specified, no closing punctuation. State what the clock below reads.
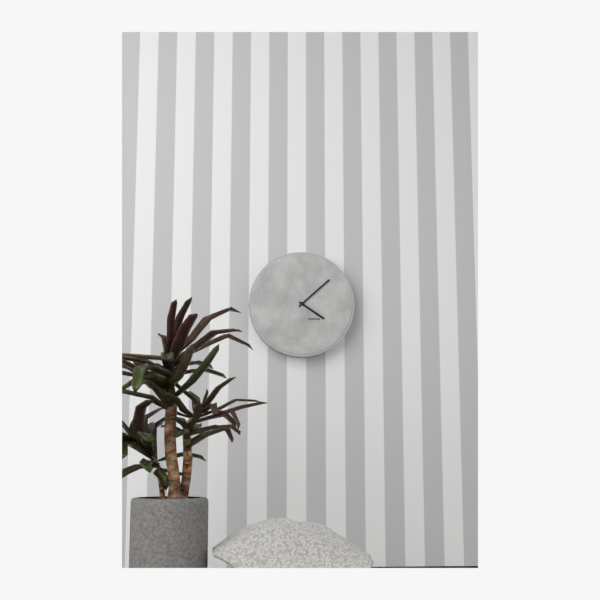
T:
4:08
